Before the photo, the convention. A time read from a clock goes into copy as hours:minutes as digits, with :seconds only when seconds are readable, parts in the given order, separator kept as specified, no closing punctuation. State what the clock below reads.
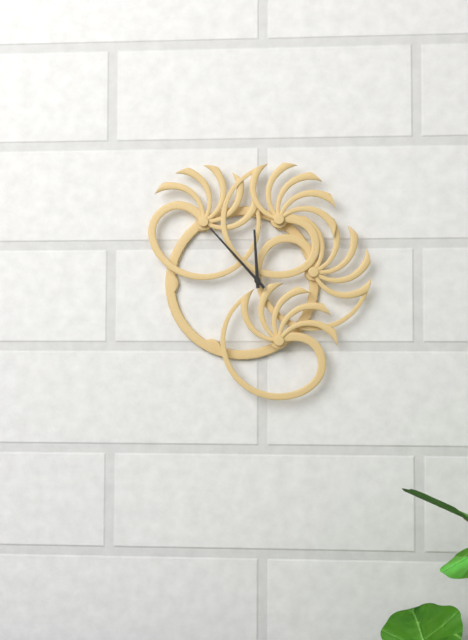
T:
11:53
